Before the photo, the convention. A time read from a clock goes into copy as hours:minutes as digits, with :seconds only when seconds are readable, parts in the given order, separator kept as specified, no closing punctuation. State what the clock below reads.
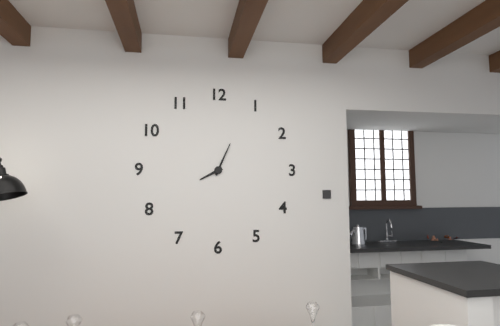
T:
8:04
